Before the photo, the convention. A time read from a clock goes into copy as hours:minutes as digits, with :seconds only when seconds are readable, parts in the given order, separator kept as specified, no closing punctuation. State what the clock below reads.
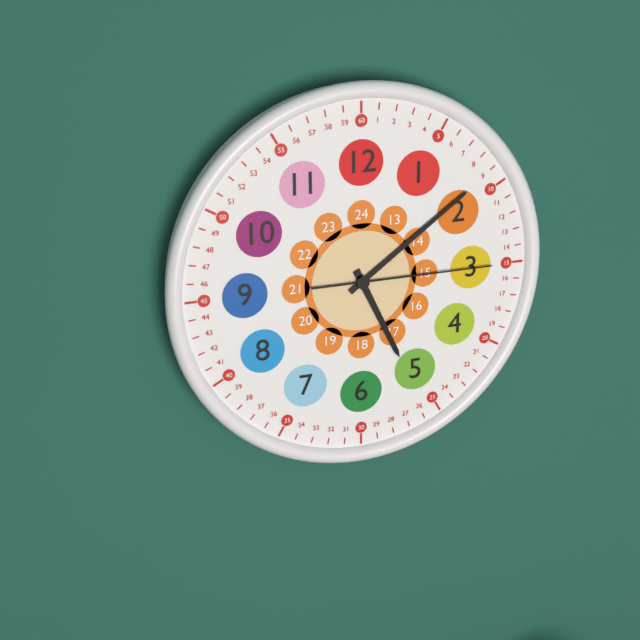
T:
5:09:15
